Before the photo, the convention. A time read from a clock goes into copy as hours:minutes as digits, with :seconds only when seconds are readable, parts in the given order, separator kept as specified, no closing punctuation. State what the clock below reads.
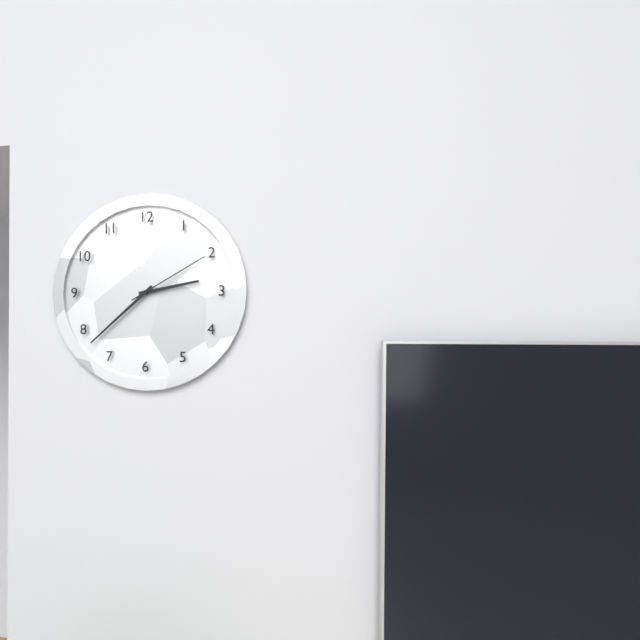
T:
2:38:10
